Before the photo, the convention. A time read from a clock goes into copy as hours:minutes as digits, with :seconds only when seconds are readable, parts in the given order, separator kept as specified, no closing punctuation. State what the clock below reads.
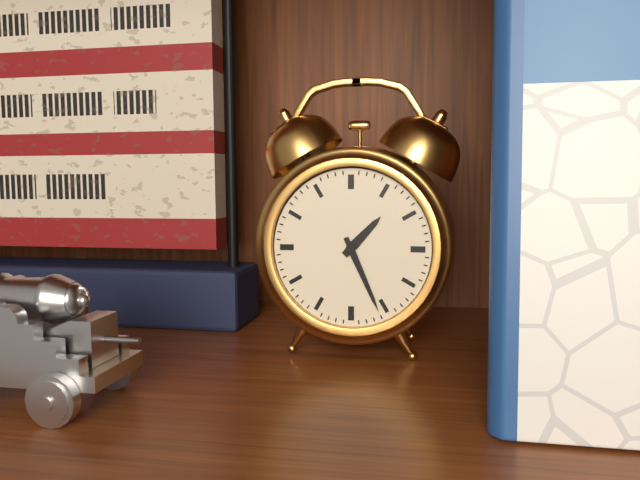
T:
1:26
